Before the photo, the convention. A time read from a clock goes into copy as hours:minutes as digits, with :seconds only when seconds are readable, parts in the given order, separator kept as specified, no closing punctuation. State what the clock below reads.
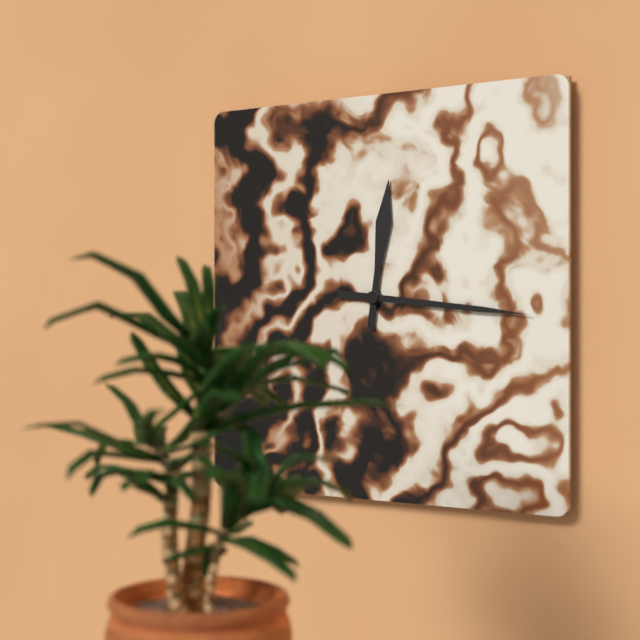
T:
12:16
